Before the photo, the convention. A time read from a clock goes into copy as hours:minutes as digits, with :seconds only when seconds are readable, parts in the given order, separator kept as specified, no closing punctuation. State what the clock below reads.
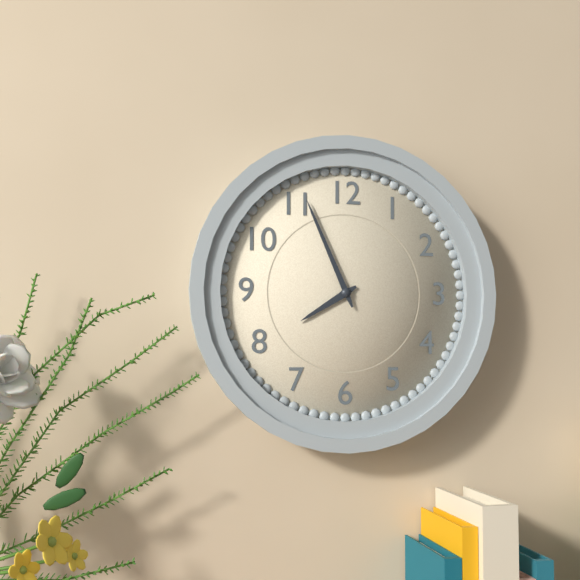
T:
7:56
